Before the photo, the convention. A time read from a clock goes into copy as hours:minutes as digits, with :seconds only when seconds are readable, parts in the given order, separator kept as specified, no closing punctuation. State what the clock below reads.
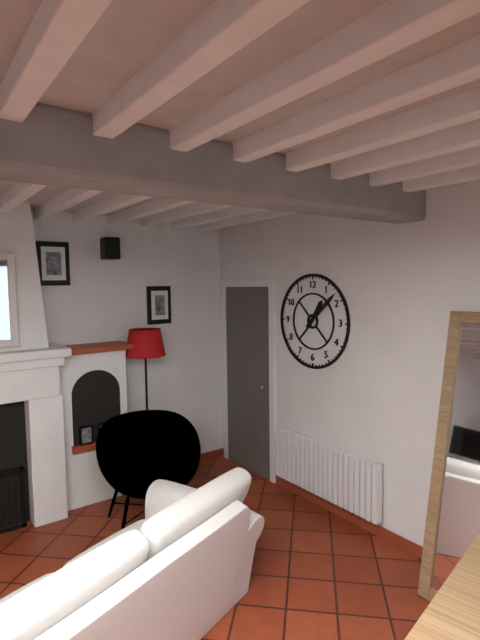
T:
1:08
